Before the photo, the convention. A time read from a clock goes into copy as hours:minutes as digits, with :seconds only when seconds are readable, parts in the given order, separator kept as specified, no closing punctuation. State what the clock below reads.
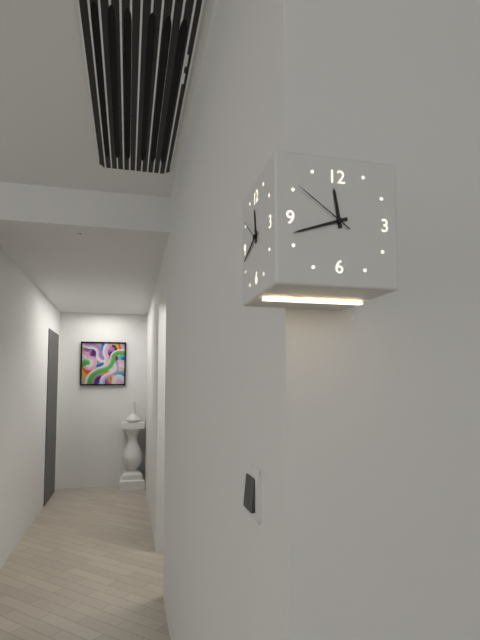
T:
11:42:51
